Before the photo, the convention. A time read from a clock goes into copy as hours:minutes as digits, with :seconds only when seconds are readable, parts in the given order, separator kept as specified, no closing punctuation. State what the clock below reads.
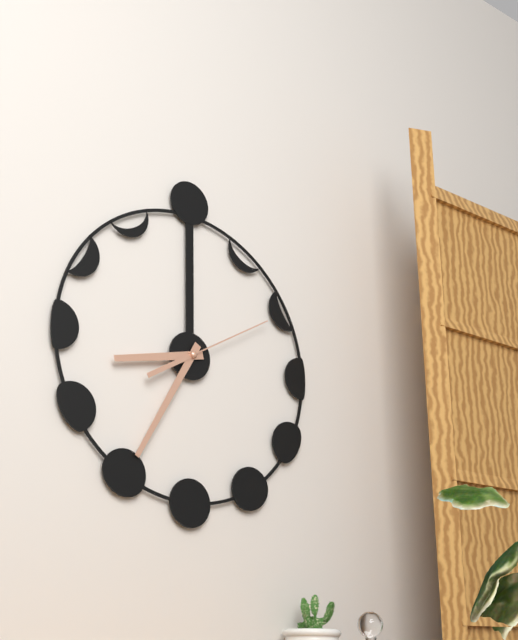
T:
8:35:10
